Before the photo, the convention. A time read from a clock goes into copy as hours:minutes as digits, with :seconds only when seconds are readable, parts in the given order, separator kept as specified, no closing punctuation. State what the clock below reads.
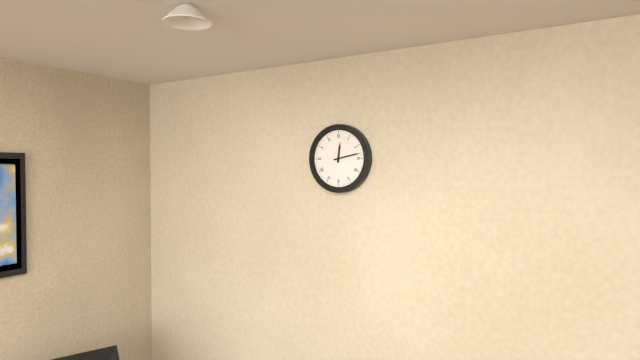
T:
12:13
